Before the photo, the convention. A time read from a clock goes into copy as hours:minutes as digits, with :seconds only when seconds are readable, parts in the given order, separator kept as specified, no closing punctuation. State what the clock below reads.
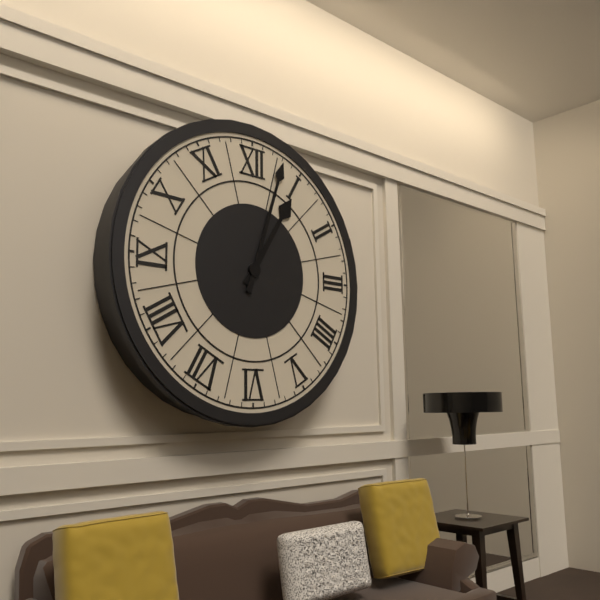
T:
1:03
